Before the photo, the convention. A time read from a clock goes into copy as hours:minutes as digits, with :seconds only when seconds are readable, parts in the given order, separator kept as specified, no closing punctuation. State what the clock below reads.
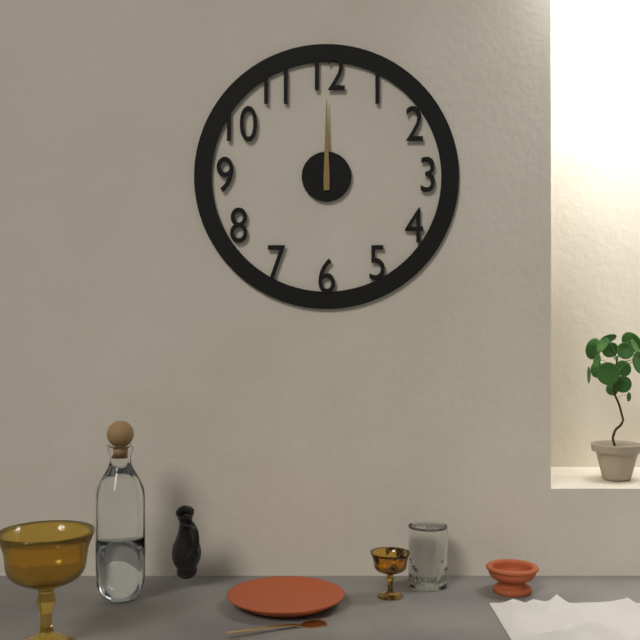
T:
12:00
